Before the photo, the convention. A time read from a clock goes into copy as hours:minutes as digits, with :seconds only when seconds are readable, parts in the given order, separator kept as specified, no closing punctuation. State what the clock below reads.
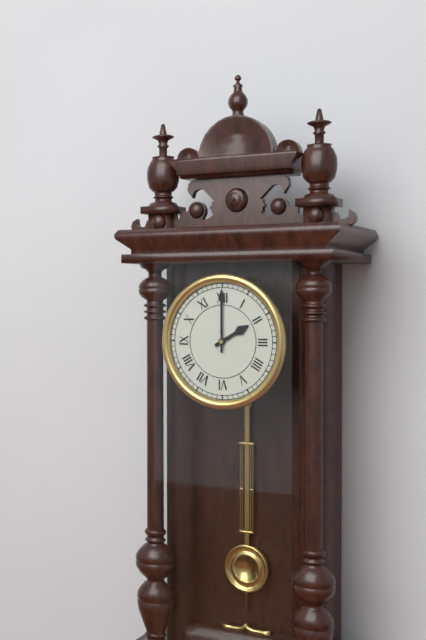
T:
2:00
